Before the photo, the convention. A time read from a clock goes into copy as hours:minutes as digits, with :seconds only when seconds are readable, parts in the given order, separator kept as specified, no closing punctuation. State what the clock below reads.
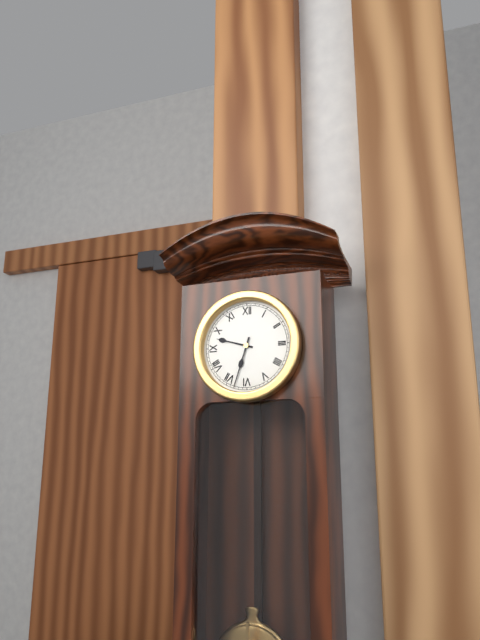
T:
9:33
